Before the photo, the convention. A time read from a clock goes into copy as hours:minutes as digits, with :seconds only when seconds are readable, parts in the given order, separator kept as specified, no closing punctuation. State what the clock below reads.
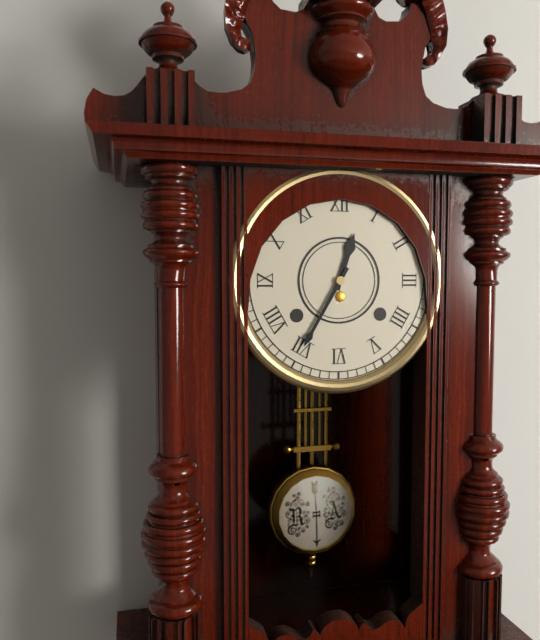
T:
12:35
